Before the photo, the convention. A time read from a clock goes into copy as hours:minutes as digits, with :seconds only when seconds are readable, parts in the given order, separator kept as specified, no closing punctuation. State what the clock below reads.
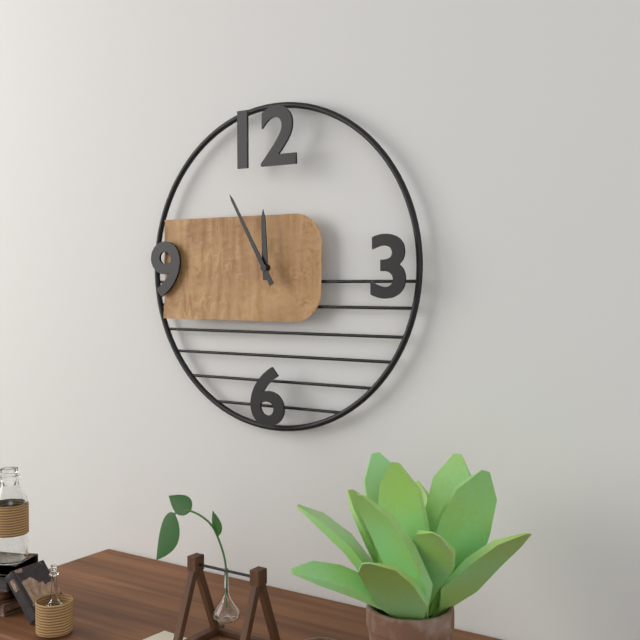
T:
11:55
